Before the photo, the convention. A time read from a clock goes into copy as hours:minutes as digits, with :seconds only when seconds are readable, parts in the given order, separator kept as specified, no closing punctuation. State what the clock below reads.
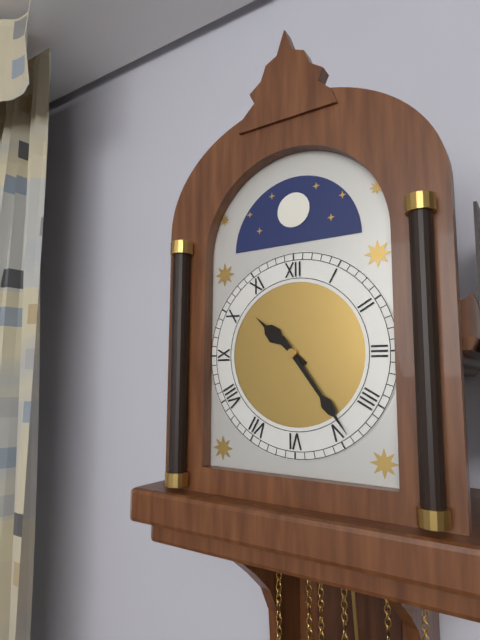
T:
10:24
